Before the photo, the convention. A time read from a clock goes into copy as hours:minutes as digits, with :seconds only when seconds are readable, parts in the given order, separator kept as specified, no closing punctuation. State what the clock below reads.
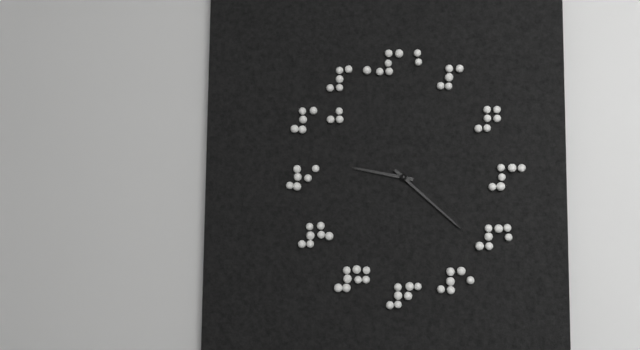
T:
9:22
